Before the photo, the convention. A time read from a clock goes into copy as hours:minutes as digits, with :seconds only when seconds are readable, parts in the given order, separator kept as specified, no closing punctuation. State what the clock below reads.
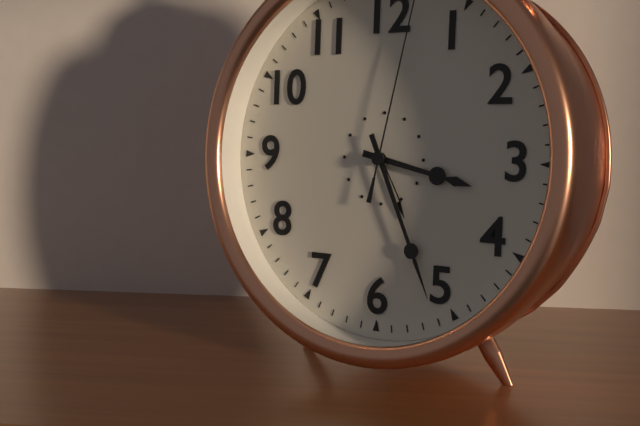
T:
3:26
